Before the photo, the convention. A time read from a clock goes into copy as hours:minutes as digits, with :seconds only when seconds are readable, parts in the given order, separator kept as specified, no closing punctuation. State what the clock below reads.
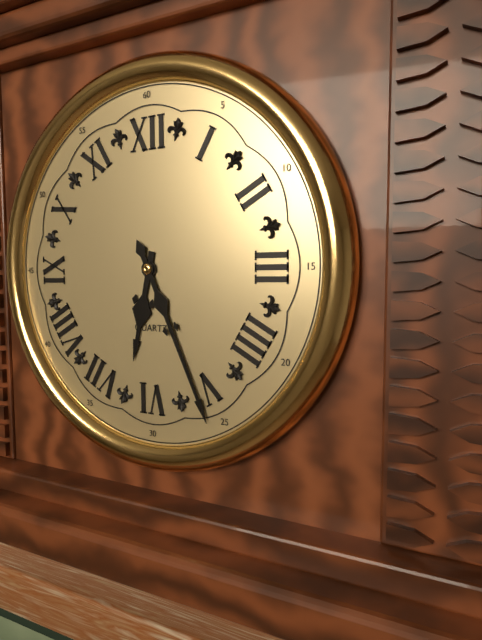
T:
6:26
